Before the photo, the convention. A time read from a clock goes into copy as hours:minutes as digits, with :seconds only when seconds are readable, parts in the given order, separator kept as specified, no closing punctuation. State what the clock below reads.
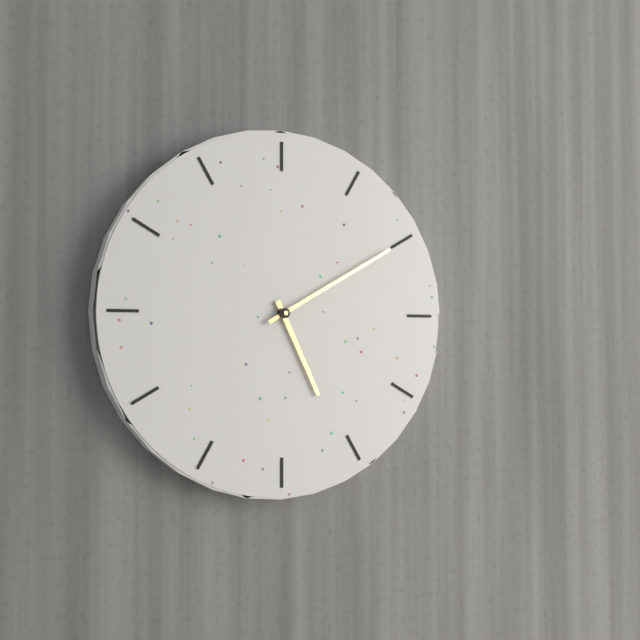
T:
5:10
